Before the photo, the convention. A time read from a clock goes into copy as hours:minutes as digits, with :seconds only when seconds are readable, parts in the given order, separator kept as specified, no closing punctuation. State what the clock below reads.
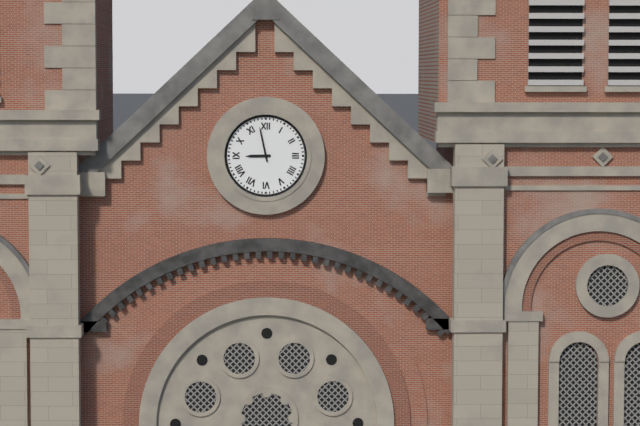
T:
8:58
